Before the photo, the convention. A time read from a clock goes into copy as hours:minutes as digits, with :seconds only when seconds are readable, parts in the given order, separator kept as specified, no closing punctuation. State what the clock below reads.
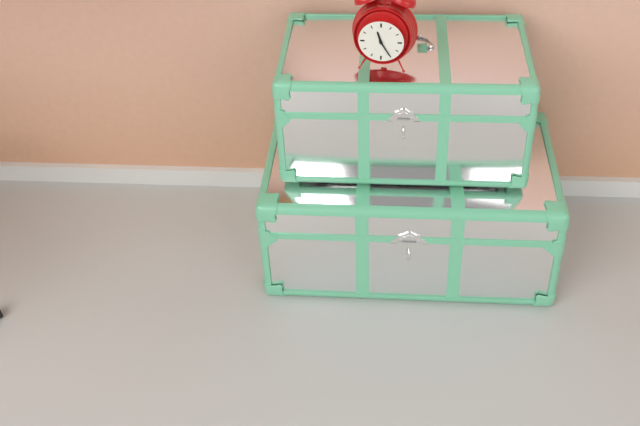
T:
11:25
